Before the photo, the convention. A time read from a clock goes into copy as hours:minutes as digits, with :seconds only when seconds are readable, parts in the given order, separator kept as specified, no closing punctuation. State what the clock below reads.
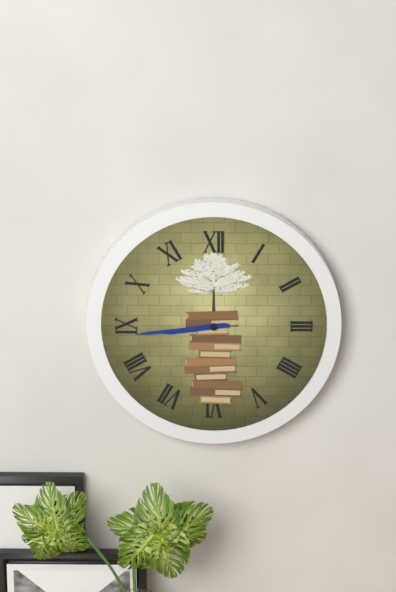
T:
8:44
